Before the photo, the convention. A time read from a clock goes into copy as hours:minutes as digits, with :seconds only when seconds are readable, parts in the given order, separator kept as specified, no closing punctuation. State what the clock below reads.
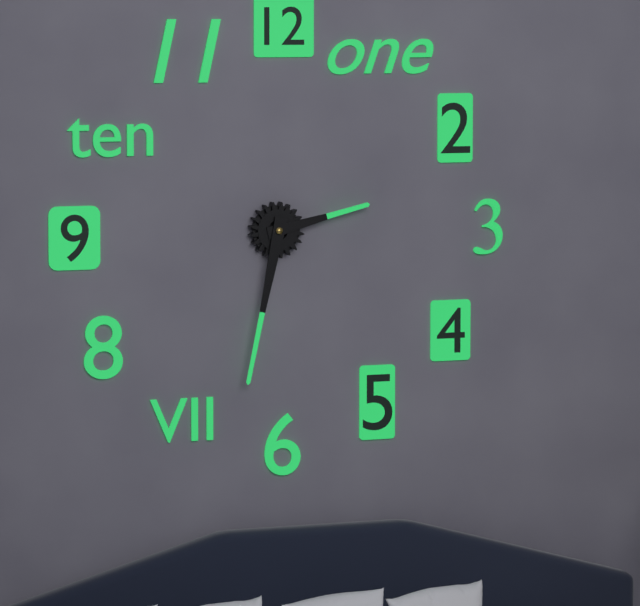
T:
2:32
